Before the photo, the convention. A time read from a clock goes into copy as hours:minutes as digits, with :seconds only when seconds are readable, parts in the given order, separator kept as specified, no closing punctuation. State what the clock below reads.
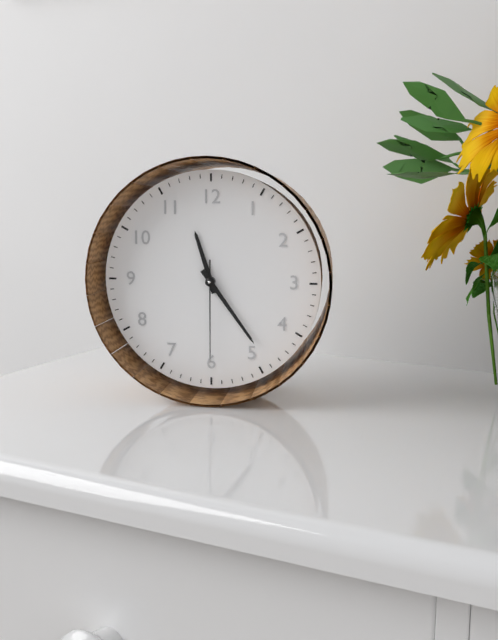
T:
11:24:30
